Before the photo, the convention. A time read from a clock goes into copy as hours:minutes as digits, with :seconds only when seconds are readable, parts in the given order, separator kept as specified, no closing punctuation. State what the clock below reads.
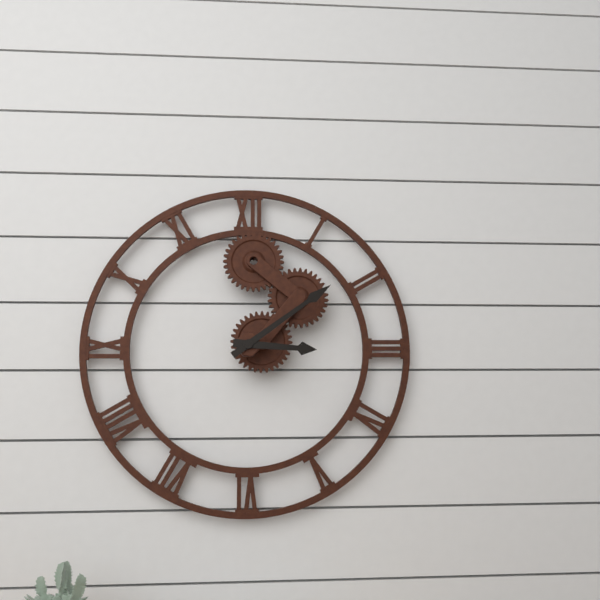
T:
3:09
